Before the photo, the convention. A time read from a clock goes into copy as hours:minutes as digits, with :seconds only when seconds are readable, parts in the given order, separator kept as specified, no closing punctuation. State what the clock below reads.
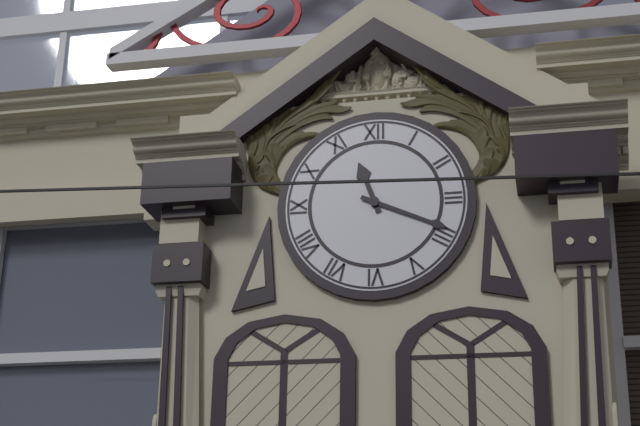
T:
11:19
